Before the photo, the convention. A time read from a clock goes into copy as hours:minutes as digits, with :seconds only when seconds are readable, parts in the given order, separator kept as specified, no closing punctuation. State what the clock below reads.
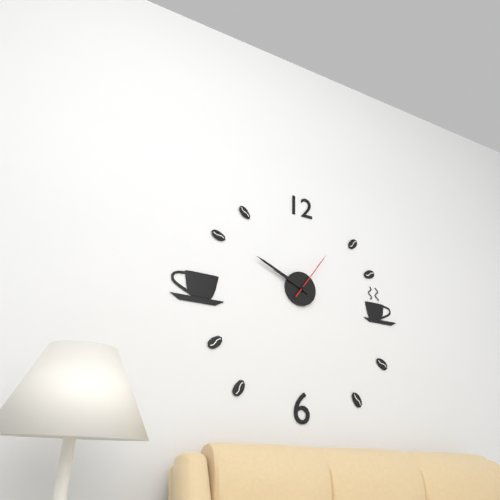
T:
9:49:06
